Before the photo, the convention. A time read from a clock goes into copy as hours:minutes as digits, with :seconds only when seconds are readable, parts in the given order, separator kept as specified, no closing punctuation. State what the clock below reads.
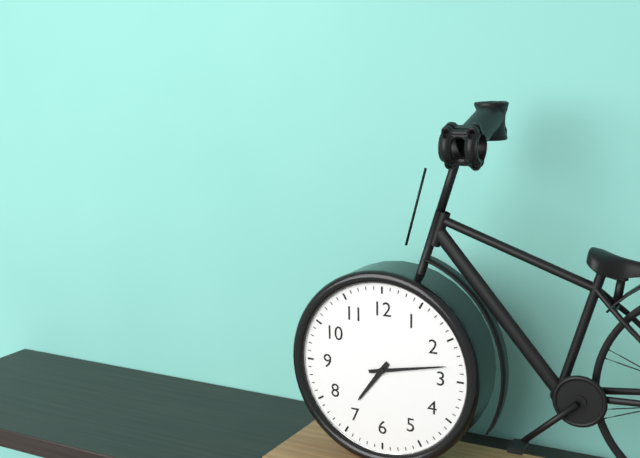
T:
7:13
